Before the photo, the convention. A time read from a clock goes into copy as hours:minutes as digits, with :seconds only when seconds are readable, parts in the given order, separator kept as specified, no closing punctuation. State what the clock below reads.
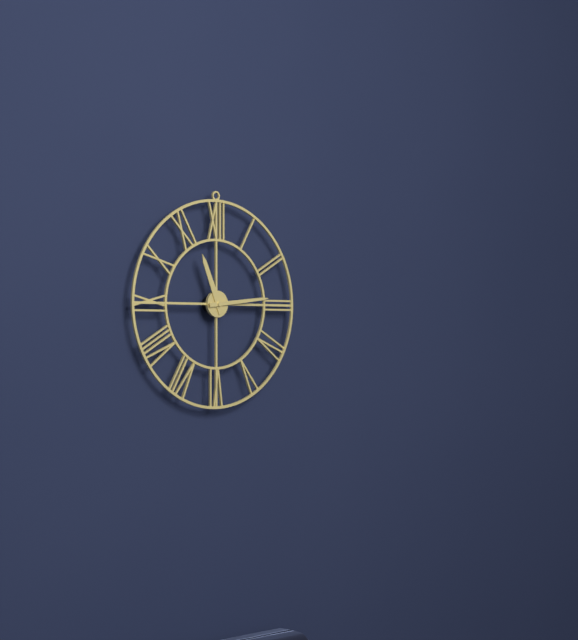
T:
11:14
